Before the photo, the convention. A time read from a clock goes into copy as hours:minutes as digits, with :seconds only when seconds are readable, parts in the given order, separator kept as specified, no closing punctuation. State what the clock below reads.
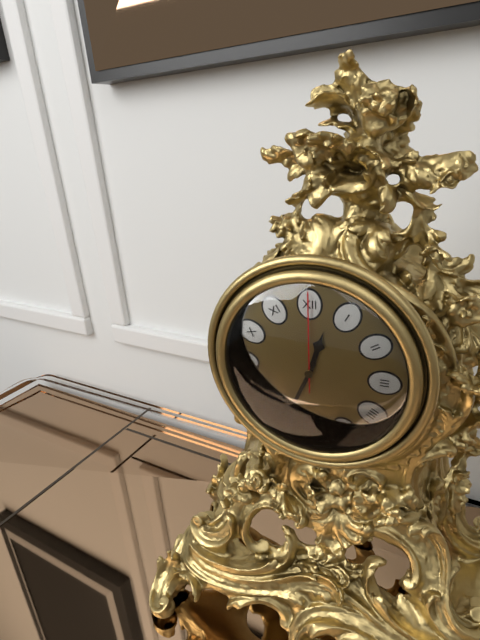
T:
12:34:00
